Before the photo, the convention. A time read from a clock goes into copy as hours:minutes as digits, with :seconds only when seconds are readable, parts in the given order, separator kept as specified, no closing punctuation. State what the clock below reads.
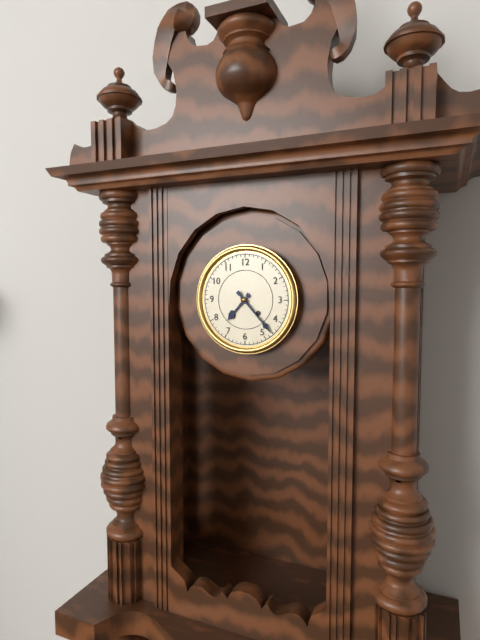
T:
7:23
